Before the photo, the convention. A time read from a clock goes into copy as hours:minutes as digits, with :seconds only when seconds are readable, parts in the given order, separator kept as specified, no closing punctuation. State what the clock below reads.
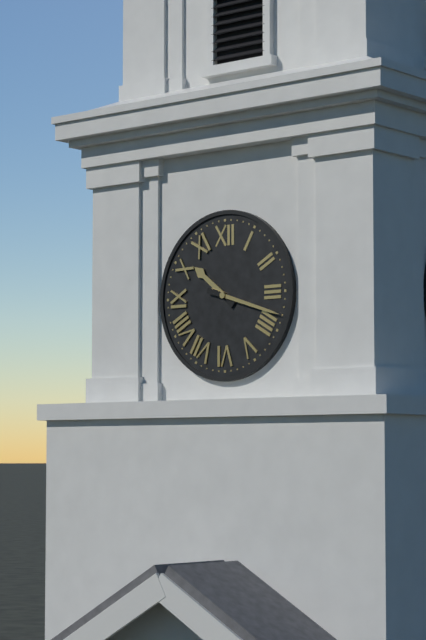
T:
10:18
